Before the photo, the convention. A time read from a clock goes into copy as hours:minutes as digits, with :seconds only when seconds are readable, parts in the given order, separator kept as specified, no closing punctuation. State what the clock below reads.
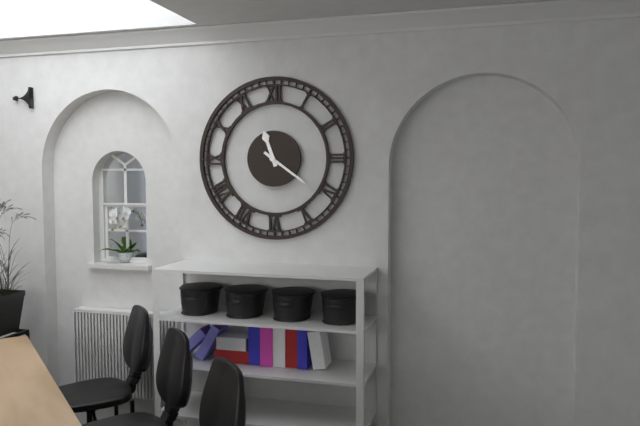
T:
11:21
